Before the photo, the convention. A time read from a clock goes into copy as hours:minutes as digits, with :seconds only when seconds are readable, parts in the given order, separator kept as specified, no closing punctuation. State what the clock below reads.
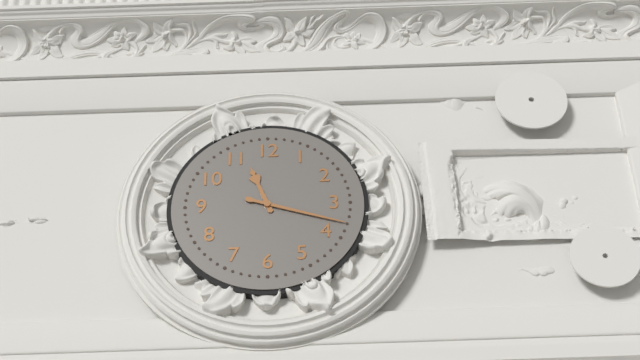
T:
11:18
